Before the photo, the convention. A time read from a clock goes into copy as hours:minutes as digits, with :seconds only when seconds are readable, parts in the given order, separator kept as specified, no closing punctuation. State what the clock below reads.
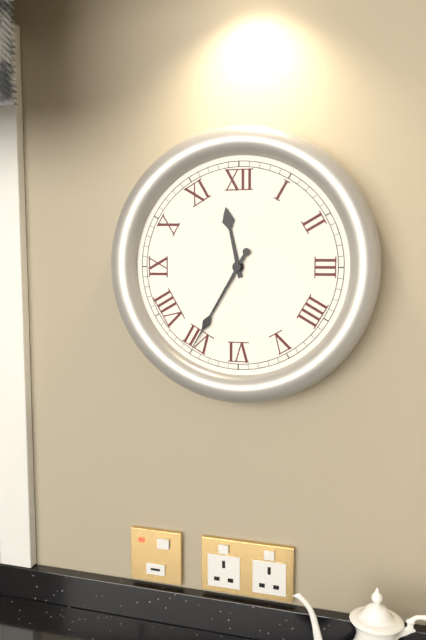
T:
11:35
